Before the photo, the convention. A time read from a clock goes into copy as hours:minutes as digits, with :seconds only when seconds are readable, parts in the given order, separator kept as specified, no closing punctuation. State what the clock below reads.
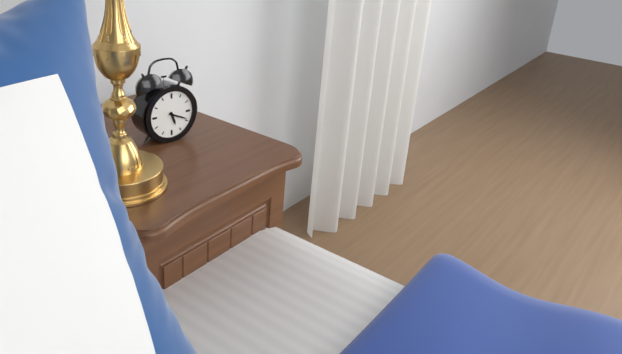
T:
5:19
